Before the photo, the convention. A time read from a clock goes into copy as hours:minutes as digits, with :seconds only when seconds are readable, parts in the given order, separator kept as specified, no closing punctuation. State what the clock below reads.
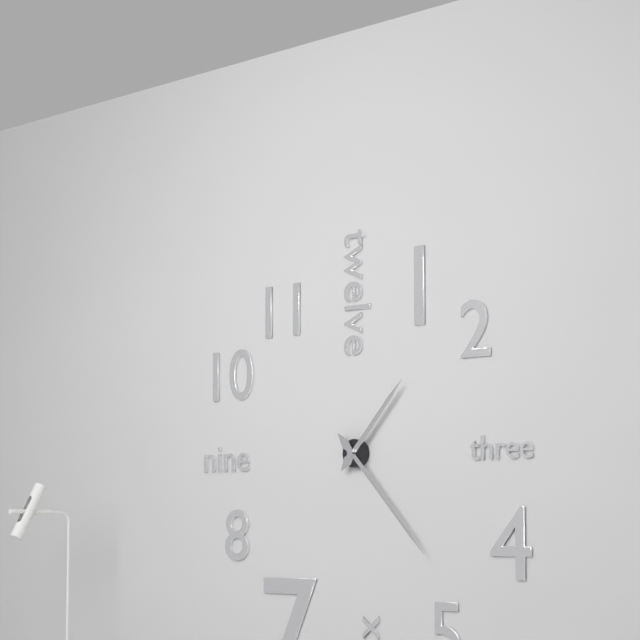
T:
1:23
